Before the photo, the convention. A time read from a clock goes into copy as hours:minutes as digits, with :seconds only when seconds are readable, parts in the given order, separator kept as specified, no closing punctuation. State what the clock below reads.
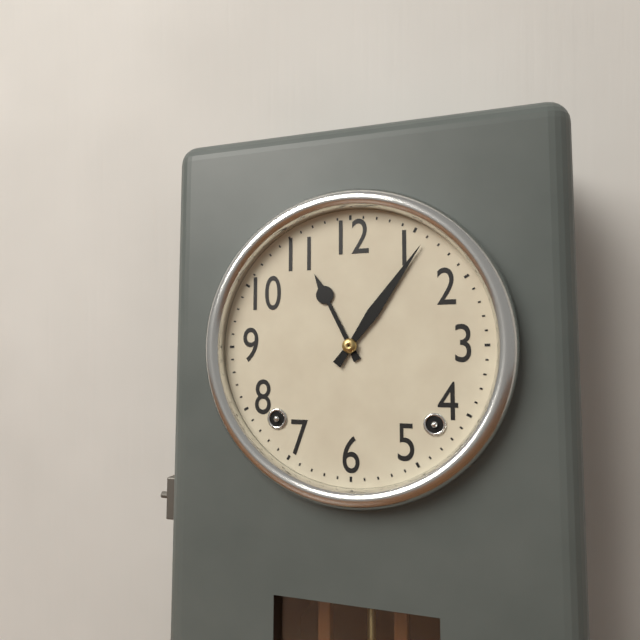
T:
11:06
